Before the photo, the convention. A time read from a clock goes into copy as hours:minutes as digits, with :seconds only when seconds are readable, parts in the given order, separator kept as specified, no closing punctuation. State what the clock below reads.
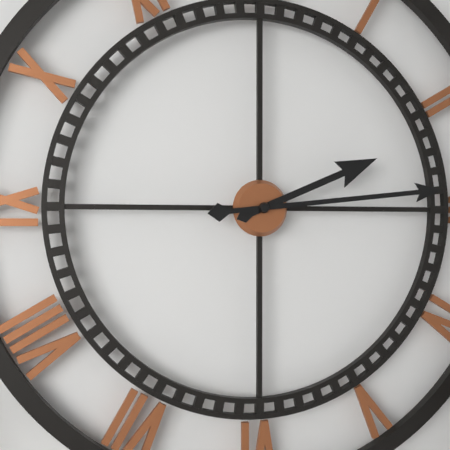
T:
2:14
